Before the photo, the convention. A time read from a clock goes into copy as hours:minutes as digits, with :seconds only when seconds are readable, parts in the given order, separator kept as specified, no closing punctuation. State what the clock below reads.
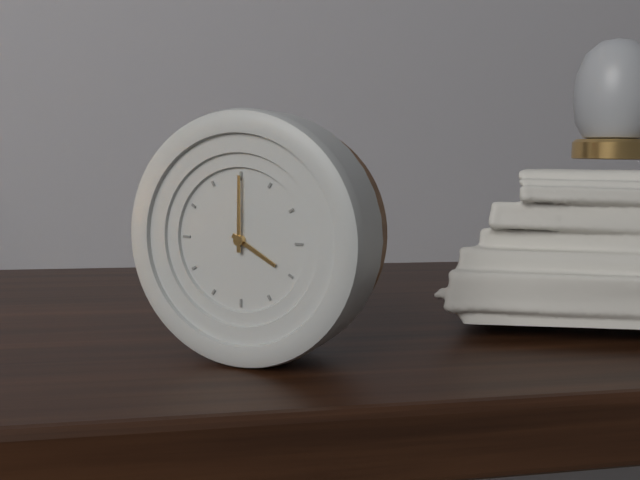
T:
4:00
